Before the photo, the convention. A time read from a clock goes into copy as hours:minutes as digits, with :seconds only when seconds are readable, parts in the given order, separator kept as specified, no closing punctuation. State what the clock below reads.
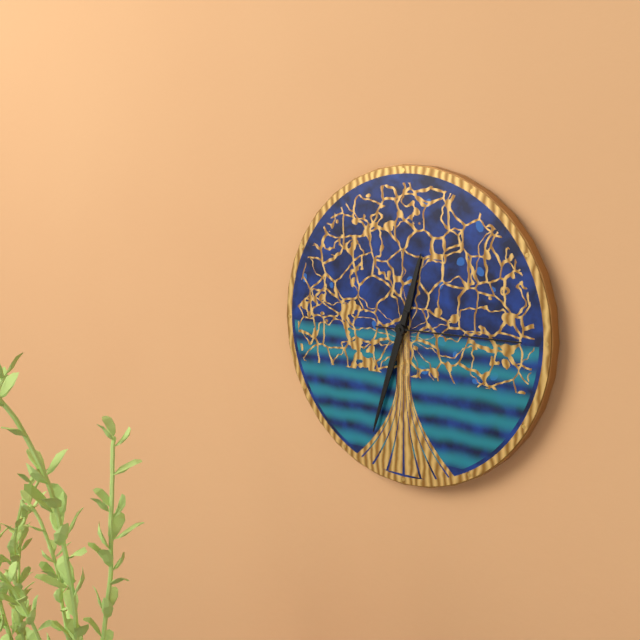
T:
12:33:15
